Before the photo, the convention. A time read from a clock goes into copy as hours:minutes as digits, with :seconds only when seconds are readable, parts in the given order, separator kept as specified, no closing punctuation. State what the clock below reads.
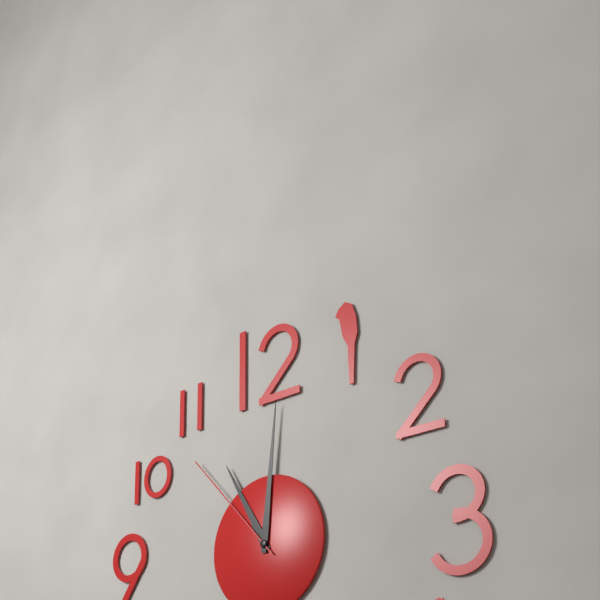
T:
11:01:53
